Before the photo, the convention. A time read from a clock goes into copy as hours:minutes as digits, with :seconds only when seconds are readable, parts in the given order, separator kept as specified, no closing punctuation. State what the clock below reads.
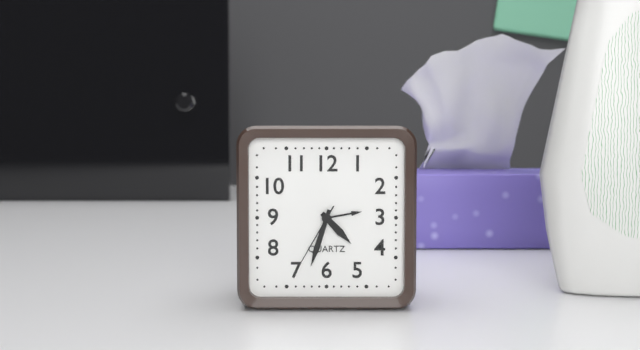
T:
4:33:35
